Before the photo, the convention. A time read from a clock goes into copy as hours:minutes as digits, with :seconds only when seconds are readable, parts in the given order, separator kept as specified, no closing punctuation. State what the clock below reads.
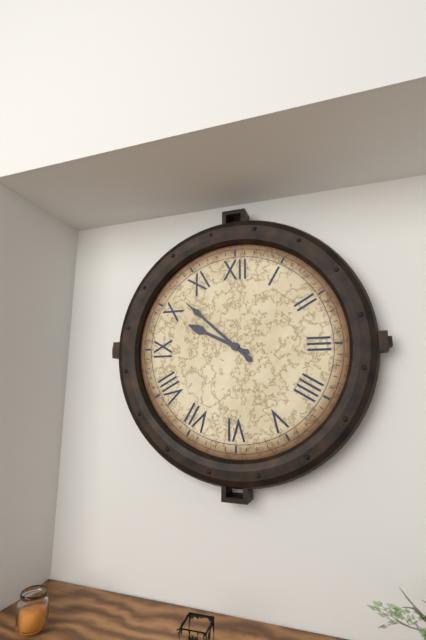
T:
9:52
